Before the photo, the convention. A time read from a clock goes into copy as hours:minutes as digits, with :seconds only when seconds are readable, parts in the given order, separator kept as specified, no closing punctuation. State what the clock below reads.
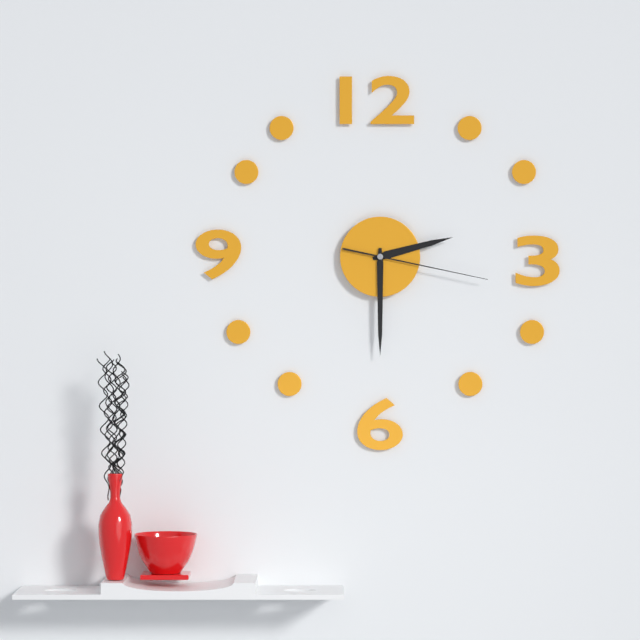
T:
2:30:17
